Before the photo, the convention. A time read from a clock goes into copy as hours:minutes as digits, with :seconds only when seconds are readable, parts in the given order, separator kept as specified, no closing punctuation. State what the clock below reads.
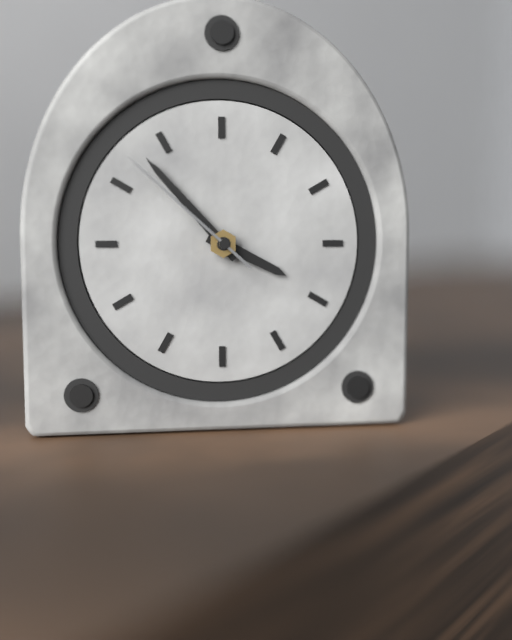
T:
3:53:52
